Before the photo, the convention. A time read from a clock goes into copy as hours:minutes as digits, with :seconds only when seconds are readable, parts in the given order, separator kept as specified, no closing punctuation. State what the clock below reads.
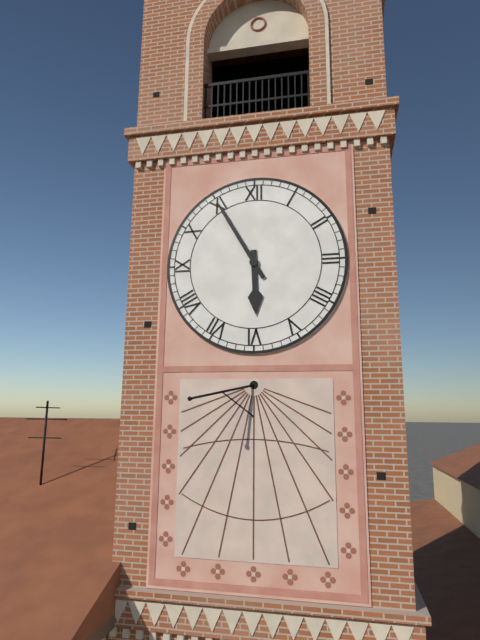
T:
5:55
